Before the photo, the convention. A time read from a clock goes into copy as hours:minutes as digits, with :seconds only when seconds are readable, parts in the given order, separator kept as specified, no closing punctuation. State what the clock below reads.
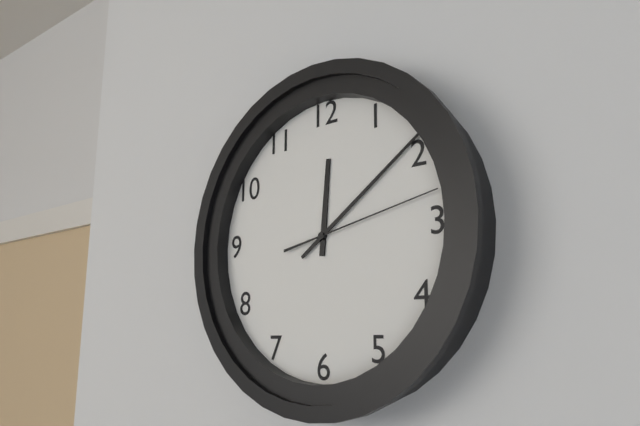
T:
12:09:13
